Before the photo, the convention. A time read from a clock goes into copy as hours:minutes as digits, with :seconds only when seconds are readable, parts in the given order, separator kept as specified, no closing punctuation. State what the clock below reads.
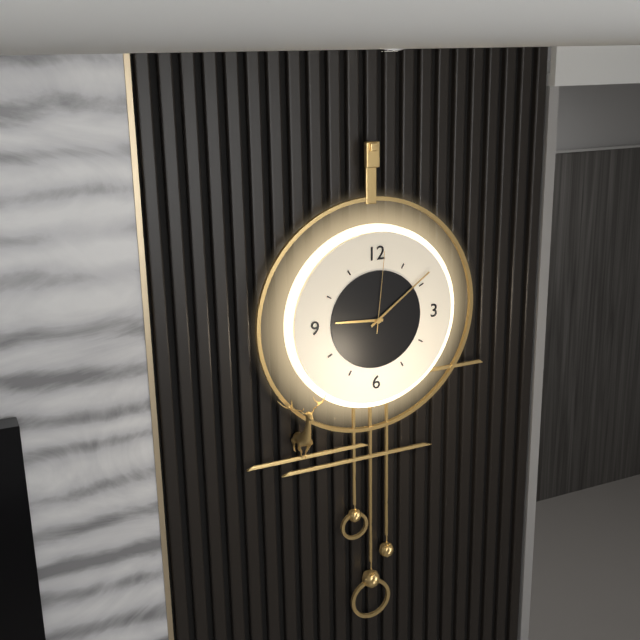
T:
9:09:01
